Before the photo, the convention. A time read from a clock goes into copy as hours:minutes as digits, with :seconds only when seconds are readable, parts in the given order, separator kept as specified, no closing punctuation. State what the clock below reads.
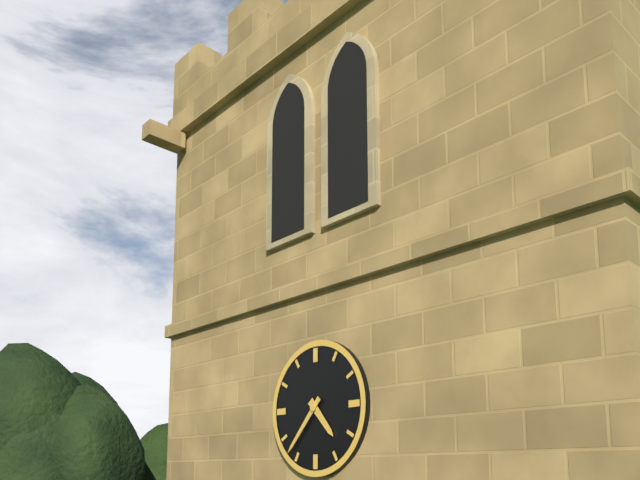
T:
4:37
